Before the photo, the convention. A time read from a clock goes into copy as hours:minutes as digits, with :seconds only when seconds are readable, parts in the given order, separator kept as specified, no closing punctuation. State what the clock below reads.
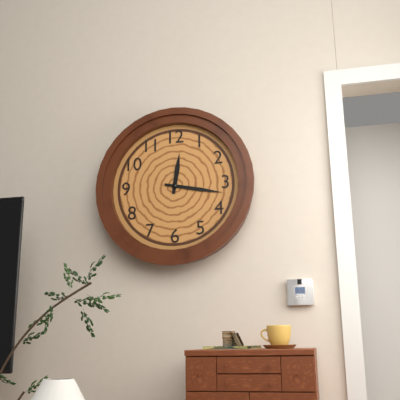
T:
12:17
